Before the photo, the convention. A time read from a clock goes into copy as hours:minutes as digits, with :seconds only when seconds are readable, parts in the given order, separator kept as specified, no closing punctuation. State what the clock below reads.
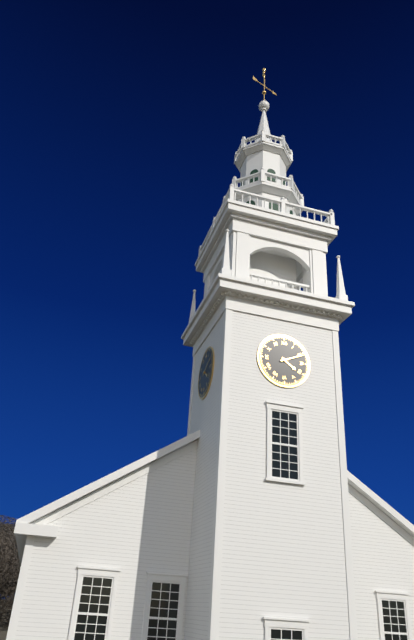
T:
4:11
